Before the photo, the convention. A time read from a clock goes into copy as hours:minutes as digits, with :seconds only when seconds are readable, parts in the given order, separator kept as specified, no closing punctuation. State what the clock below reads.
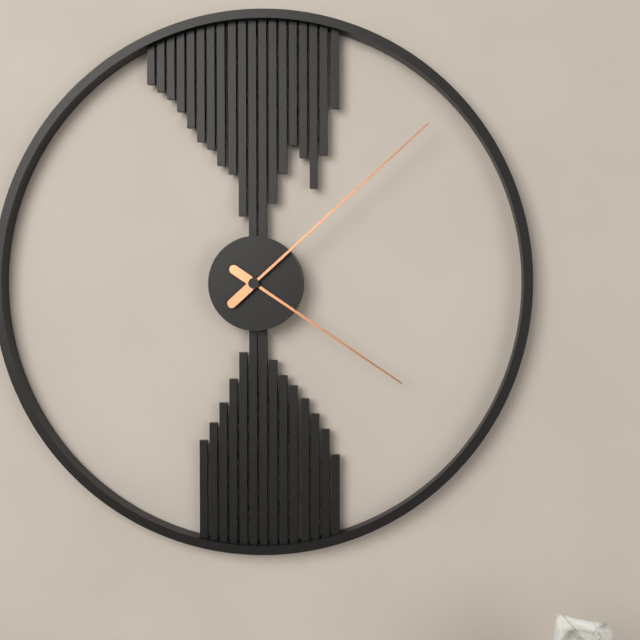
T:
4:08
